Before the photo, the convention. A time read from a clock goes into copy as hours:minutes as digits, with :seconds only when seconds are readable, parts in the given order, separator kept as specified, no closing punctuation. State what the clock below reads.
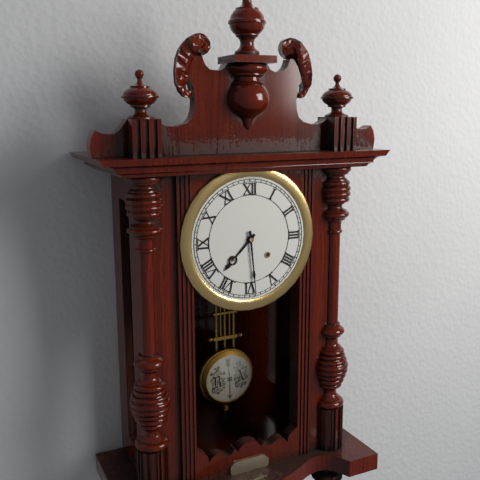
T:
7:29
